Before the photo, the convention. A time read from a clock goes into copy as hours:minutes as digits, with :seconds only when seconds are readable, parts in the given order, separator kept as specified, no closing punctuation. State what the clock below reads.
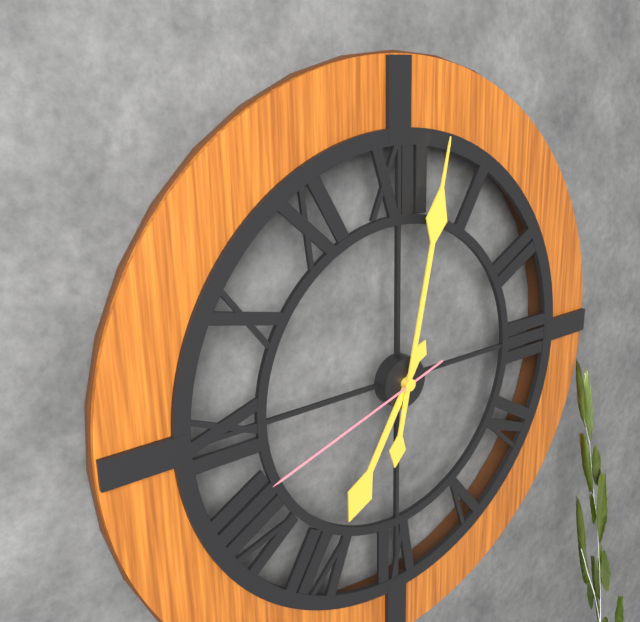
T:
7:02:42
